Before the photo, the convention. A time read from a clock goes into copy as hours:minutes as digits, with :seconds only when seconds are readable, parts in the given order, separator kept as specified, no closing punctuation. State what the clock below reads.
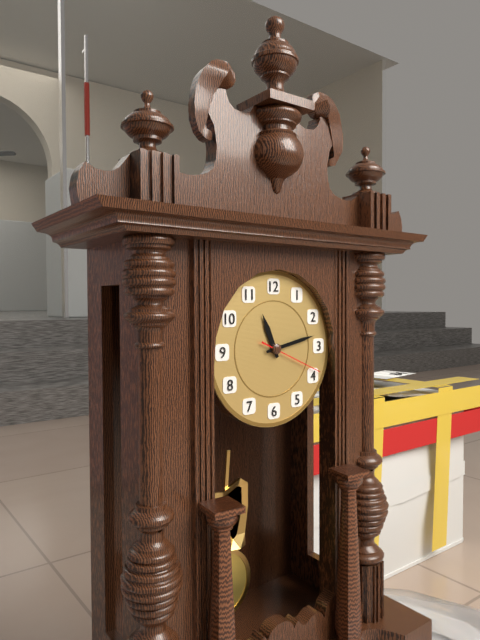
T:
11:13:19
